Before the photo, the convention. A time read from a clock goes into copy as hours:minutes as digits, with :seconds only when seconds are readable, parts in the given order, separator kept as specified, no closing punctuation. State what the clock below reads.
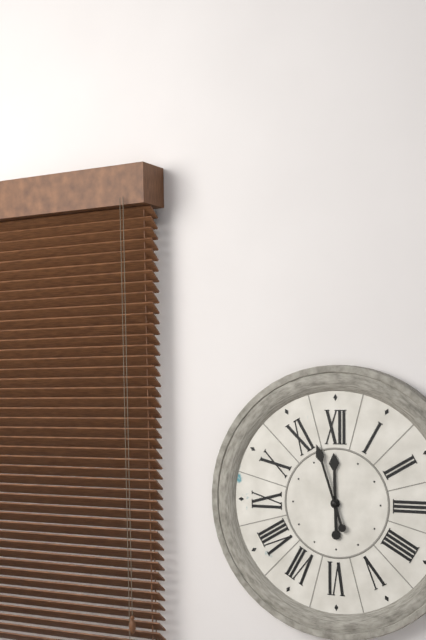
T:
11:57
